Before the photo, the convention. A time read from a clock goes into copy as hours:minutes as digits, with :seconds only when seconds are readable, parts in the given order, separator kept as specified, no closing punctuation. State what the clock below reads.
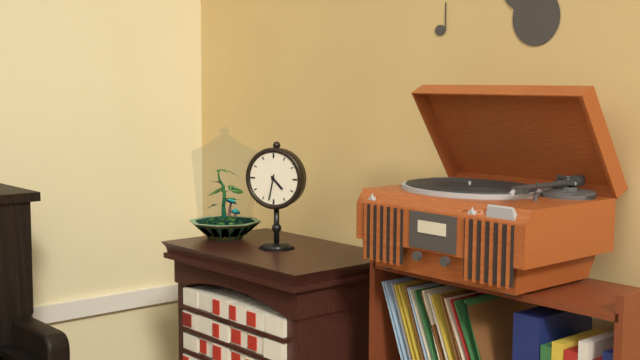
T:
4:32
